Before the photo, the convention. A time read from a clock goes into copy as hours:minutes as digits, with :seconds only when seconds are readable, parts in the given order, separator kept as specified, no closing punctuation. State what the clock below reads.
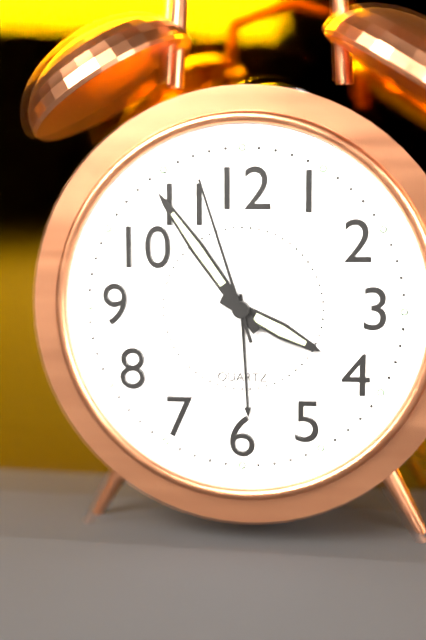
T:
3:54:57
